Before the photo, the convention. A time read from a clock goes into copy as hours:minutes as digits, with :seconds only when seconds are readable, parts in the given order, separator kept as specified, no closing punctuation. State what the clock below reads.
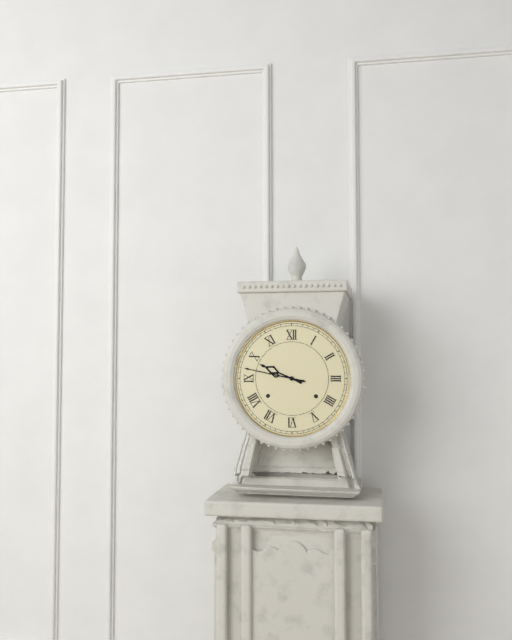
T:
9:47
